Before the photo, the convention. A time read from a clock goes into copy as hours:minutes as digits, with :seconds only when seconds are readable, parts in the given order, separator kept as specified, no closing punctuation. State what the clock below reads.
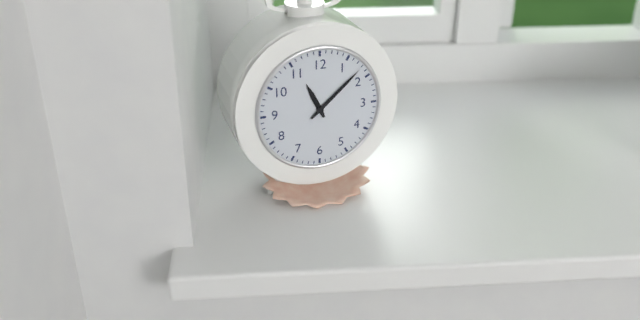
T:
11:08
